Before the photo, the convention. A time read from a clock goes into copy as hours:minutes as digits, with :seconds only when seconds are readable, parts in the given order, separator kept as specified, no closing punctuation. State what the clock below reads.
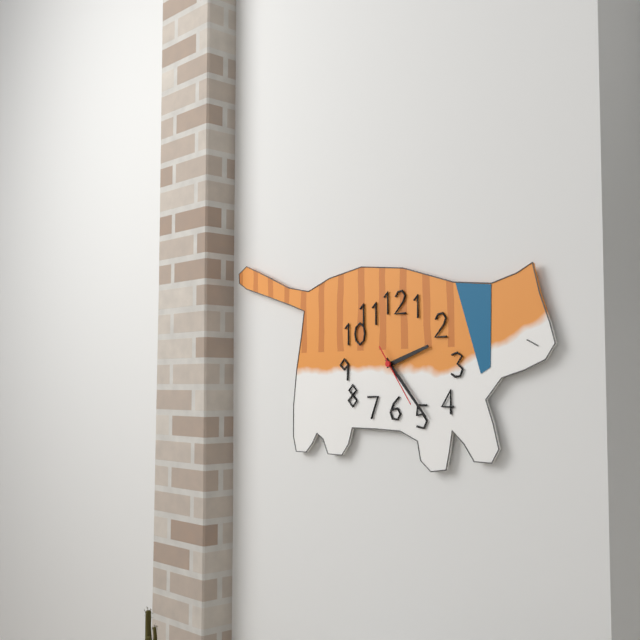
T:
2:23:24
